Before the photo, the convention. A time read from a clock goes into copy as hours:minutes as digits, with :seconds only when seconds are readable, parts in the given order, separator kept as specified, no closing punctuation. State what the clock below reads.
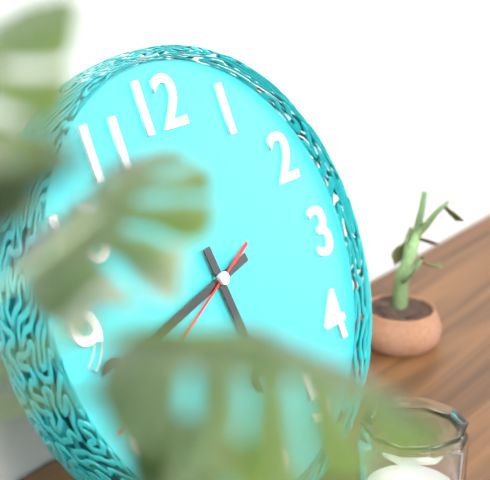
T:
5:43:41
